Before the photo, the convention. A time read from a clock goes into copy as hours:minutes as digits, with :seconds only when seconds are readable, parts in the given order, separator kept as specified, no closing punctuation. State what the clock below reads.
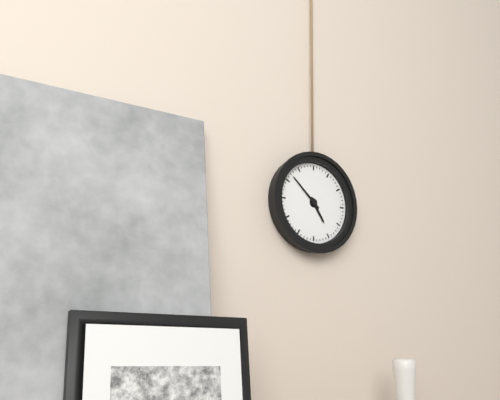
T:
4:52
